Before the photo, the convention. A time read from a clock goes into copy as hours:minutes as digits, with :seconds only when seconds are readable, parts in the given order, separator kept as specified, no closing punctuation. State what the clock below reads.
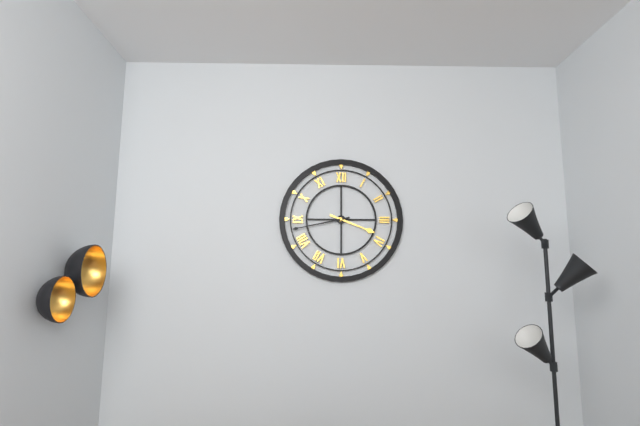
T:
3:43
